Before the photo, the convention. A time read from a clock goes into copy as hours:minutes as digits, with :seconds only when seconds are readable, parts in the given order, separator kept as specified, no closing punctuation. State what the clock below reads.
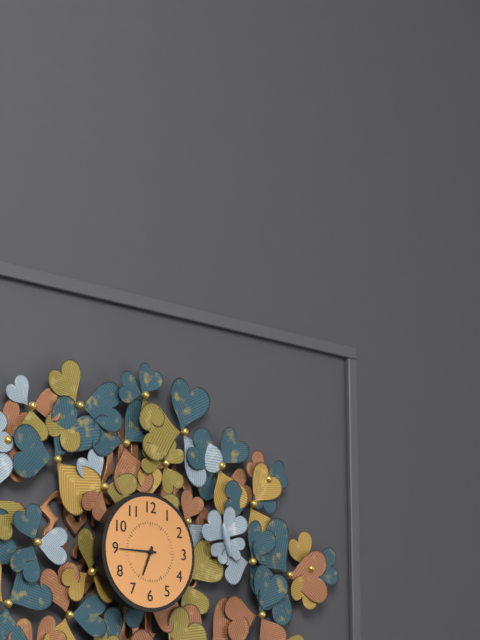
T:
6:45
